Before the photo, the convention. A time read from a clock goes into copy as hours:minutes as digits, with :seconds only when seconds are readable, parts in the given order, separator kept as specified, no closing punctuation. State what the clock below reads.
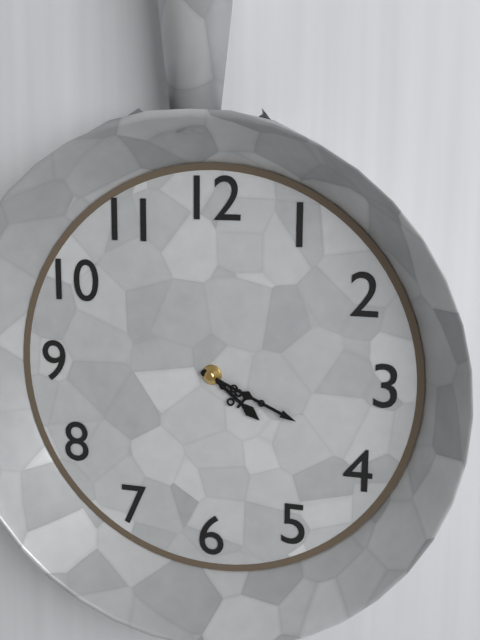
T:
4:19
